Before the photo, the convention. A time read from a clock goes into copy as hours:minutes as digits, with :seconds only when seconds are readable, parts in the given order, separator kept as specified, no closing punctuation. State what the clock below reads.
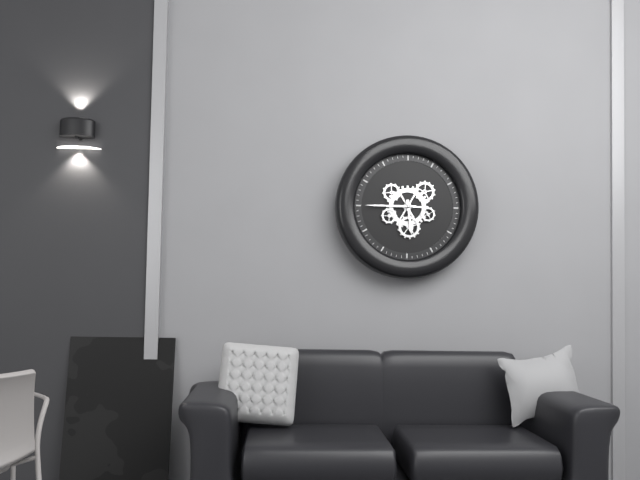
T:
5:45
